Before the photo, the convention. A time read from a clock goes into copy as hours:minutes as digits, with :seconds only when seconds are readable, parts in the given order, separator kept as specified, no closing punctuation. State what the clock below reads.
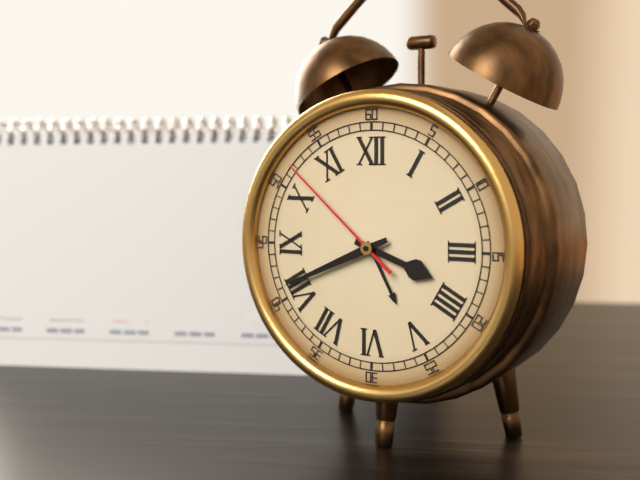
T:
3:41:52
